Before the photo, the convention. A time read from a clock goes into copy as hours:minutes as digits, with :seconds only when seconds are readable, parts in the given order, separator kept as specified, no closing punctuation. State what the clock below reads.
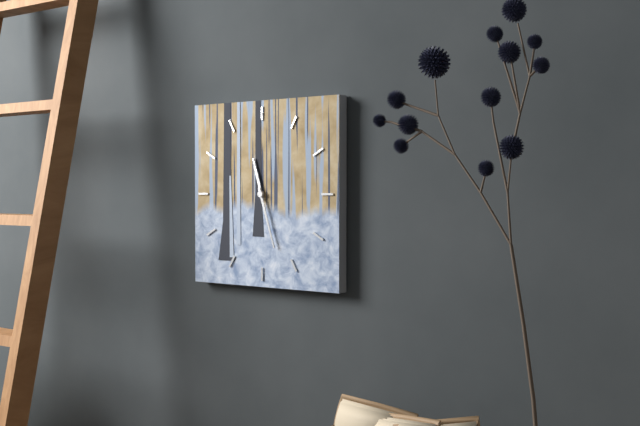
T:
11:27
